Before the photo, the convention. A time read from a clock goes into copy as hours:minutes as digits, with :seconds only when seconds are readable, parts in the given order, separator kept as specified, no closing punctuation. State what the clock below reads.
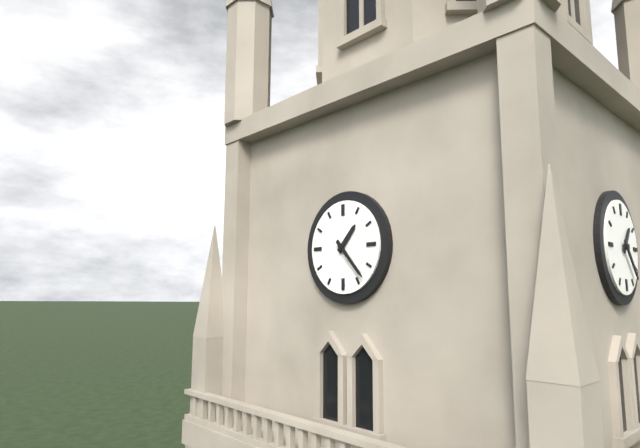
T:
1:23
